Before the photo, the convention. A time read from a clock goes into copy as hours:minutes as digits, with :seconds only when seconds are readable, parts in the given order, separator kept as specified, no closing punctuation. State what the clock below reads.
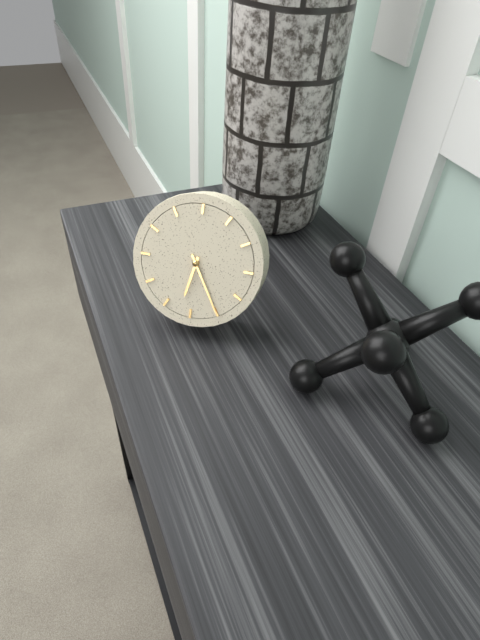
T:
6:25
